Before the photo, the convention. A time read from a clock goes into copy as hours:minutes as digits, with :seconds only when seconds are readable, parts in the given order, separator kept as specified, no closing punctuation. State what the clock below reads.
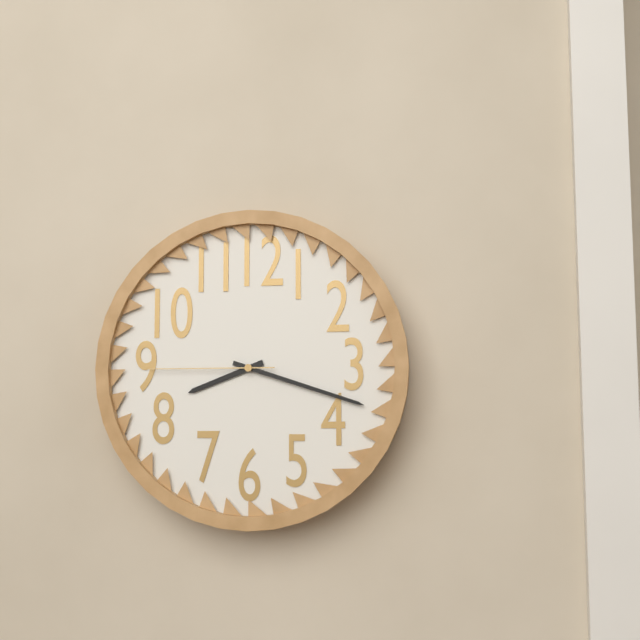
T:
8:18:45
